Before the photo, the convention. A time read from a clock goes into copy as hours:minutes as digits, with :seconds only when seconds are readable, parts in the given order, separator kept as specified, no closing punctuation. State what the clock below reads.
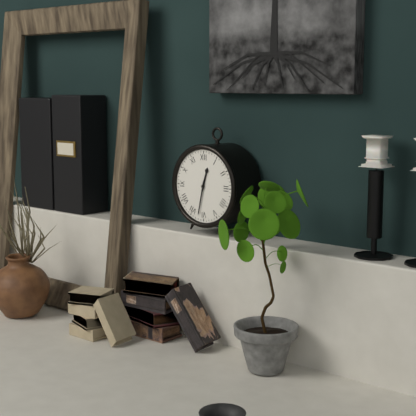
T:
12:32
